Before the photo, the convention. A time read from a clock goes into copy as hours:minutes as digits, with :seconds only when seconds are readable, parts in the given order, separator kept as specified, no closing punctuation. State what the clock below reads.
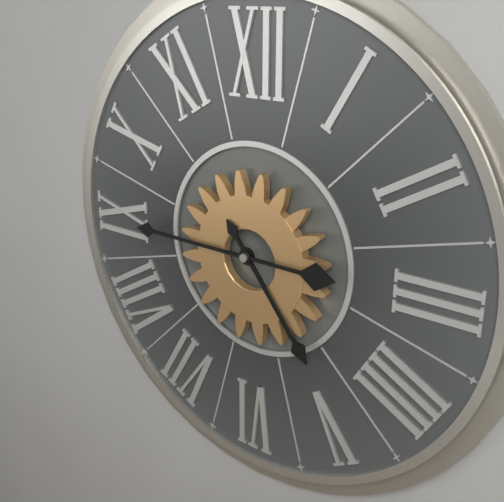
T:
4:45
